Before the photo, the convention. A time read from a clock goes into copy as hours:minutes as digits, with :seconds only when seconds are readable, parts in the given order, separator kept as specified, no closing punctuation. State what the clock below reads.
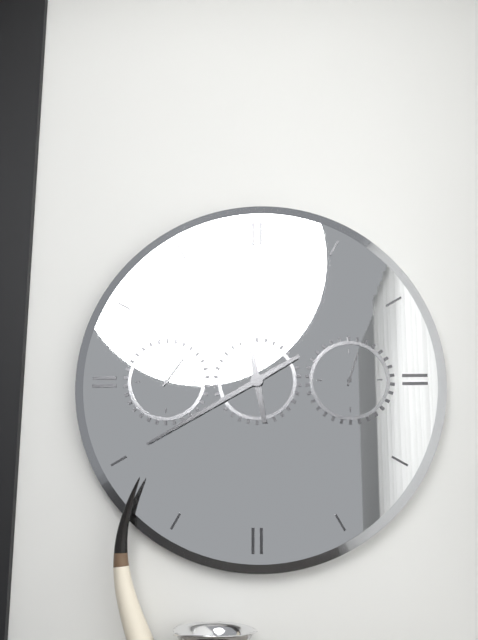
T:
11:40
